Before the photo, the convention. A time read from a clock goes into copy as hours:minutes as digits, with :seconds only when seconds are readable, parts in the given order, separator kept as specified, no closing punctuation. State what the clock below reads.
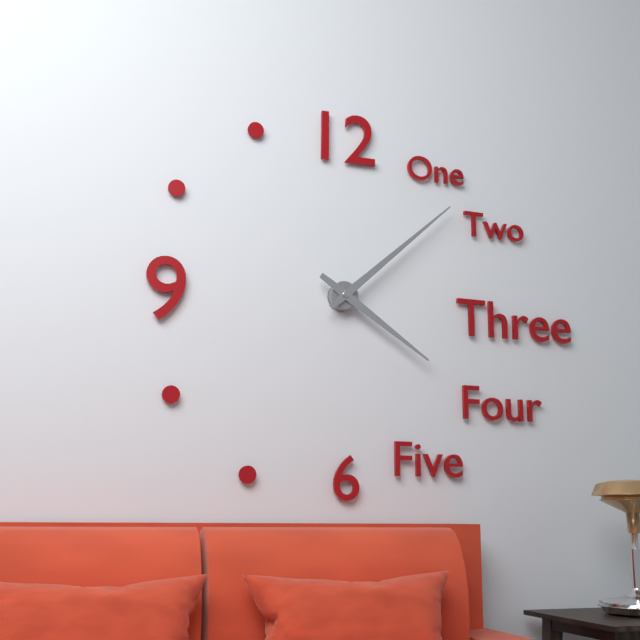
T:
4:08
